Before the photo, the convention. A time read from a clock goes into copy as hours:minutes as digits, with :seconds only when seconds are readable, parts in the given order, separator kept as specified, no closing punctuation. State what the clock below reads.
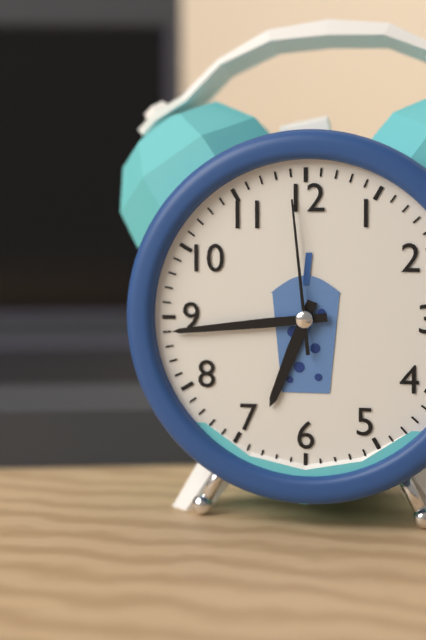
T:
6:44:59
